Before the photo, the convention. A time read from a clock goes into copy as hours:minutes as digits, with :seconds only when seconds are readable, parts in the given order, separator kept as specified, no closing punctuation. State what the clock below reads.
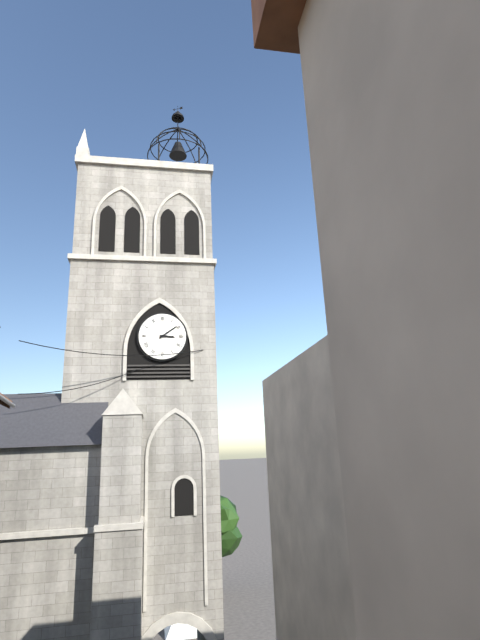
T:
3:09
